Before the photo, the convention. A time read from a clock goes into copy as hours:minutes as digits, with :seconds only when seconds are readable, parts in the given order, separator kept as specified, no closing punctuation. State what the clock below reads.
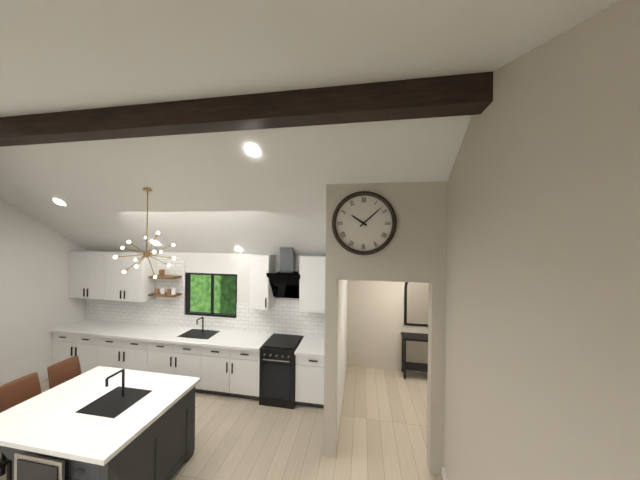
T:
10:08
